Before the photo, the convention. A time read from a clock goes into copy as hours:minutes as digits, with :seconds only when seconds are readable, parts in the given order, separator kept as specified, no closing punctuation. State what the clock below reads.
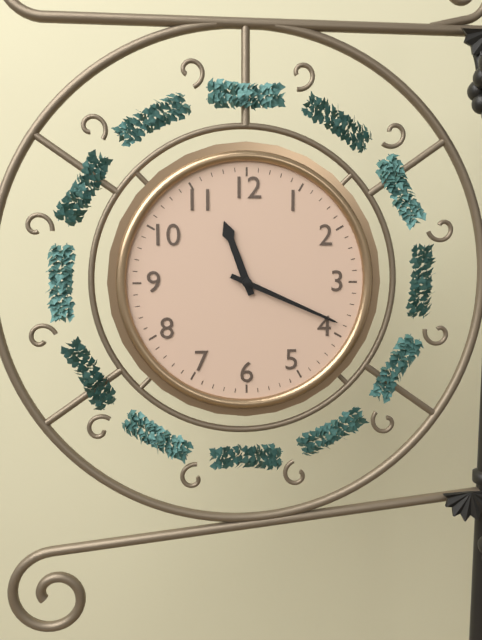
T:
11:19
